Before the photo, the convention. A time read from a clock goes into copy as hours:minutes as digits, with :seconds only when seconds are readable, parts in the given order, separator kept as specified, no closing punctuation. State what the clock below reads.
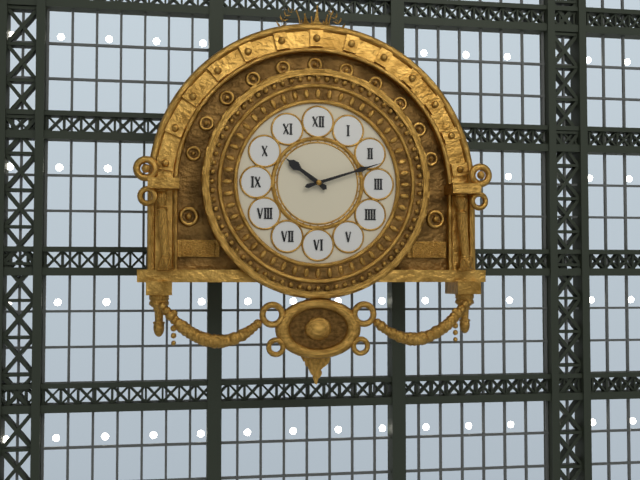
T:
10:12
